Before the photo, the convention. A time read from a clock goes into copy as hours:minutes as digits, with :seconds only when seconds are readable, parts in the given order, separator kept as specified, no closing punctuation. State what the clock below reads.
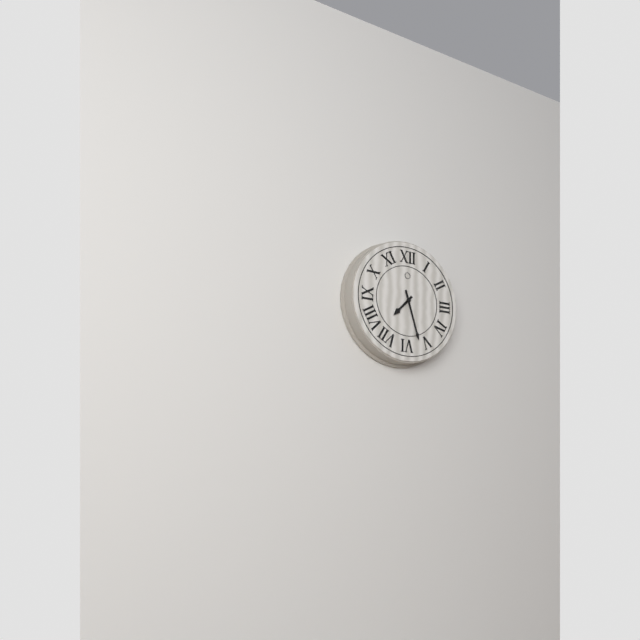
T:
7:27
